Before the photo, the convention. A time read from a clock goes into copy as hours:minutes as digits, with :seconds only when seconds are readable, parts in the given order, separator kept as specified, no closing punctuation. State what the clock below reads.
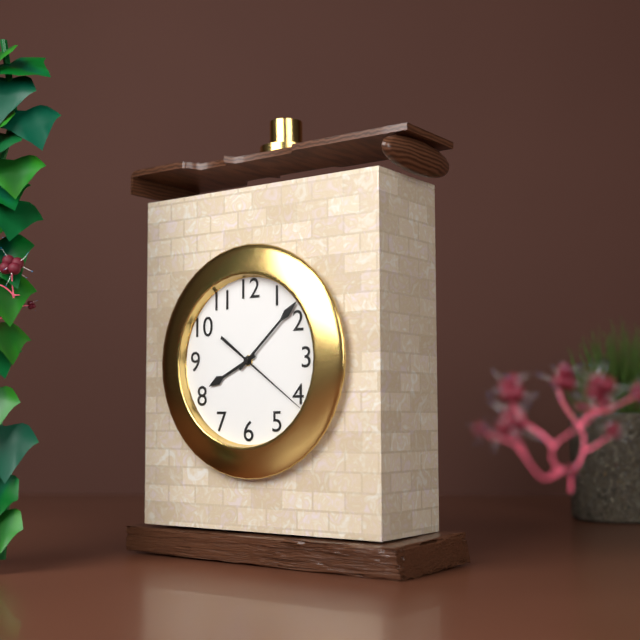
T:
8:08:21
